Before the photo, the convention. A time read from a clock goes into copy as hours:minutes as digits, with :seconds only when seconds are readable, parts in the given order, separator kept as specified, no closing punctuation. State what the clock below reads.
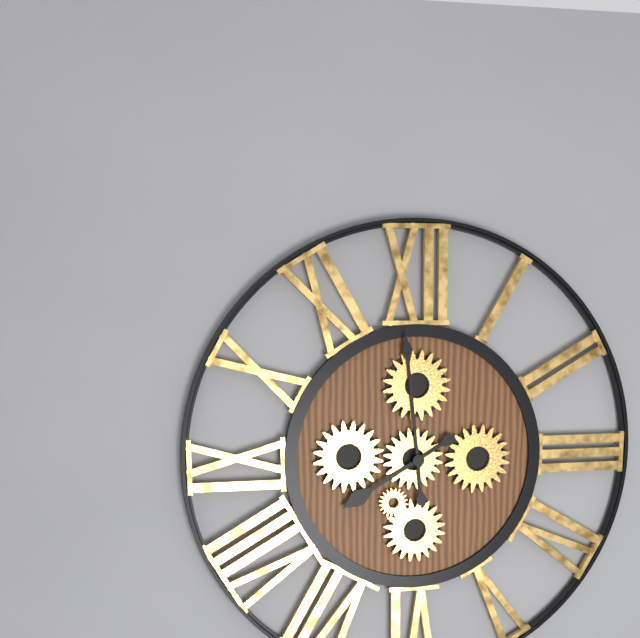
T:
7:59
